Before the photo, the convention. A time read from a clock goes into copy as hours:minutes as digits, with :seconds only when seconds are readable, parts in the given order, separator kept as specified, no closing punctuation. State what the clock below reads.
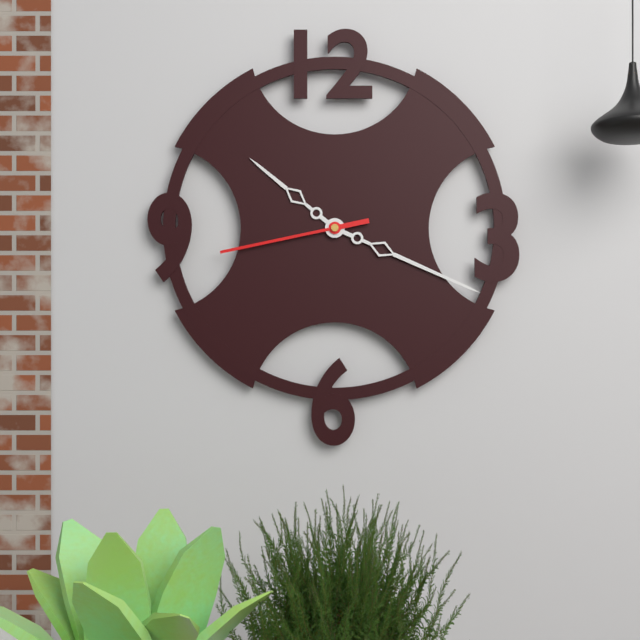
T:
10:19:43
